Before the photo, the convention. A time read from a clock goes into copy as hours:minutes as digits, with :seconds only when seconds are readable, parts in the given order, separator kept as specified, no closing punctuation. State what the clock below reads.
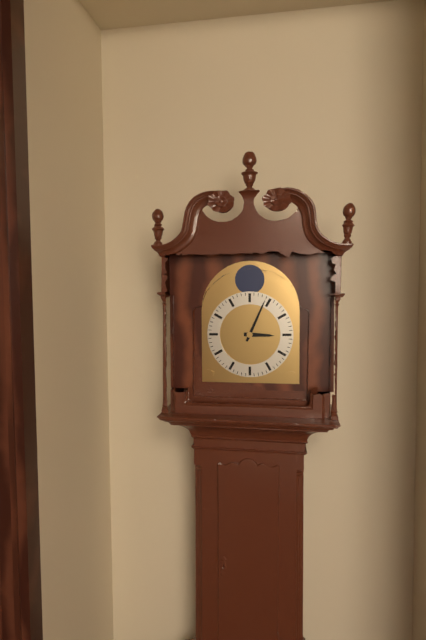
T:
3:04
